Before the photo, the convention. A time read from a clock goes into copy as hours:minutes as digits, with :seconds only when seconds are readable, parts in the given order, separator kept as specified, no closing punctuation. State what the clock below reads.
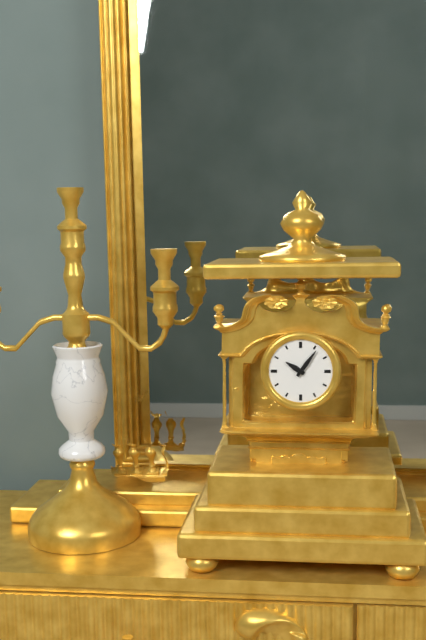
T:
10:06
